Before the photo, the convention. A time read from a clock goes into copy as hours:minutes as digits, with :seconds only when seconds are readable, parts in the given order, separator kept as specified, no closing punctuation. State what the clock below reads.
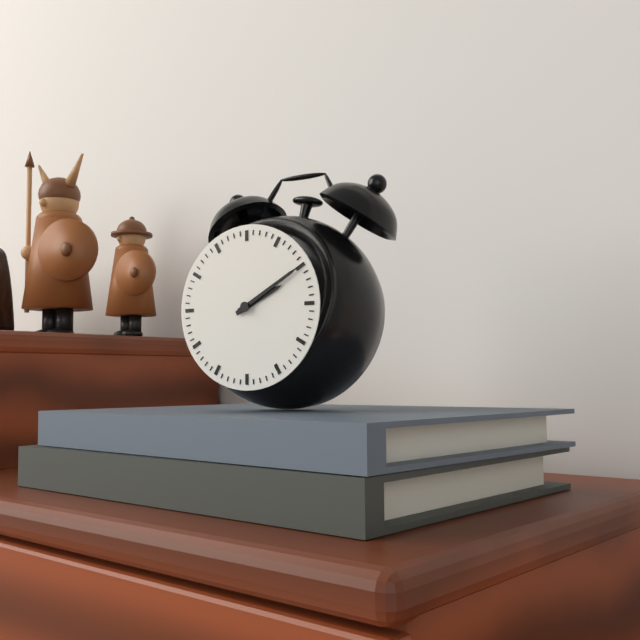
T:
2:10
